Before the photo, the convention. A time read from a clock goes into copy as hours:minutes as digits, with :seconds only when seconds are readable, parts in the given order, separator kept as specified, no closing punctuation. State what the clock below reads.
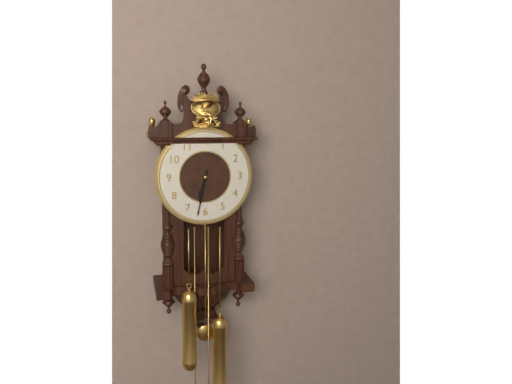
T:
6:32
